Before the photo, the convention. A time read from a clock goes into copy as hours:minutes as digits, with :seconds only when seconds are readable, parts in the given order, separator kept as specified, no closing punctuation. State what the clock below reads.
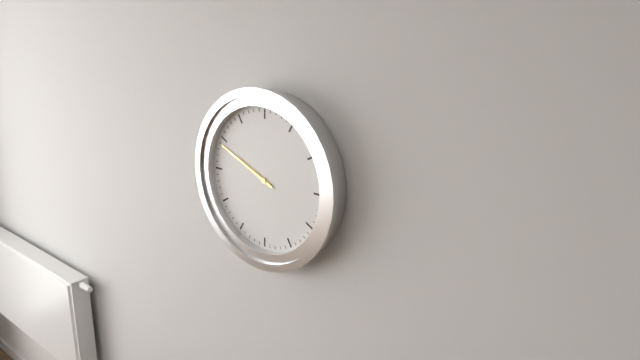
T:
9:49
